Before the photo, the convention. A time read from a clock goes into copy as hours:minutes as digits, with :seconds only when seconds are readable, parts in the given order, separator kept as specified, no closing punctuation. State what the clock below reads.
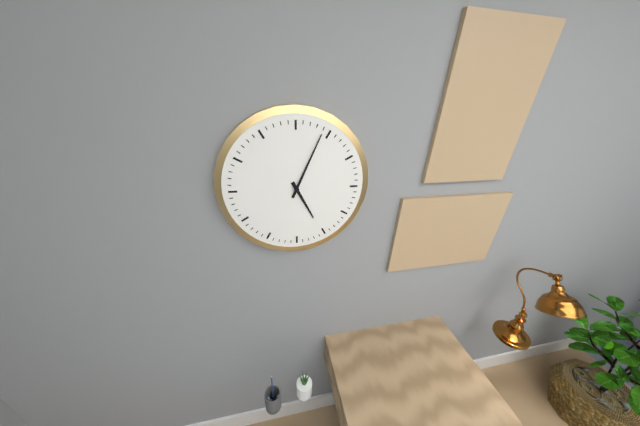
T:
5:04
